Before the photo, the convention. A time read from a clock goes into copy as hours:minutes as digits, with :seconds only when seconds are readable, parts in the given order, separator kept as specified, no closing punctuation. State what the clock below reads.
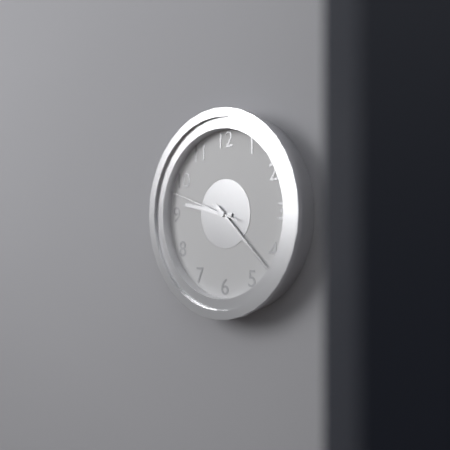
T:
9:22:48
